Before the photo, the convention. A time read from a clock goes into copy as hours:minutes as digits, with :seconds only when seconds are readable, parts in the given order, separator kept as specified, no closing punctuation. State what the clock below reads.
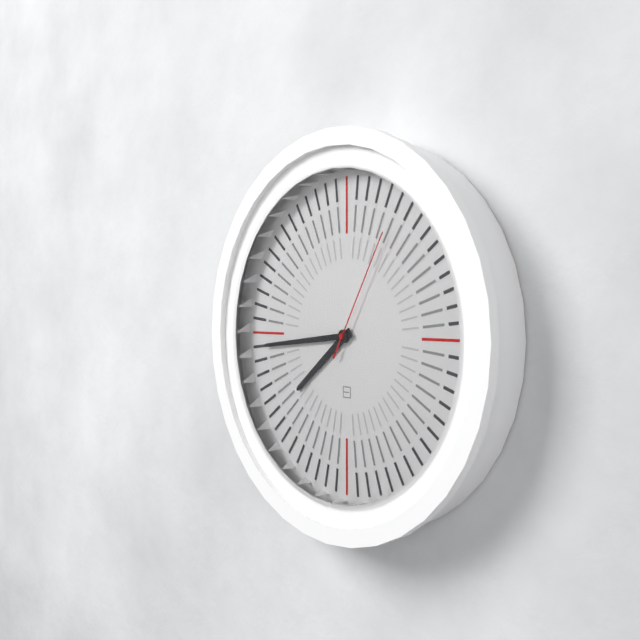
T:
7:44:05
